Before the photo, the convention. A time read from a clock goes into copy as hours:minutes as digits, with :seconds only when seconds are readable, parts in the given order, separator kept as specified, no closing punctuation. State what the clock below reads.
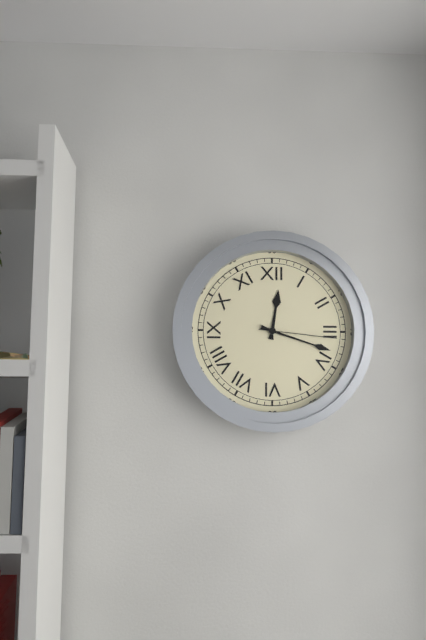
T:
12:18:16
